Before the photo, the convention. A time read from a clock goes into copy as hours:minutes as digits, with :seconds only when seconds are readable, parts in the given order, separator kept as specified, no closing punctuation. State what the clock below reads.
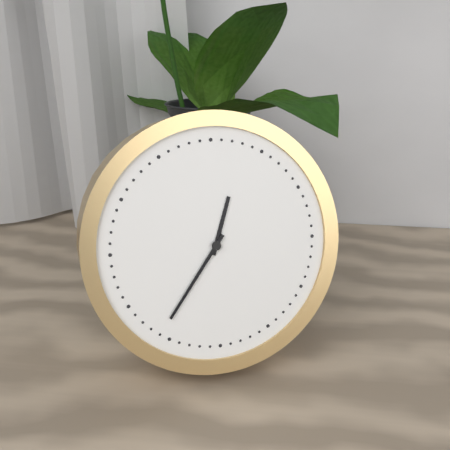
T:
12:36
